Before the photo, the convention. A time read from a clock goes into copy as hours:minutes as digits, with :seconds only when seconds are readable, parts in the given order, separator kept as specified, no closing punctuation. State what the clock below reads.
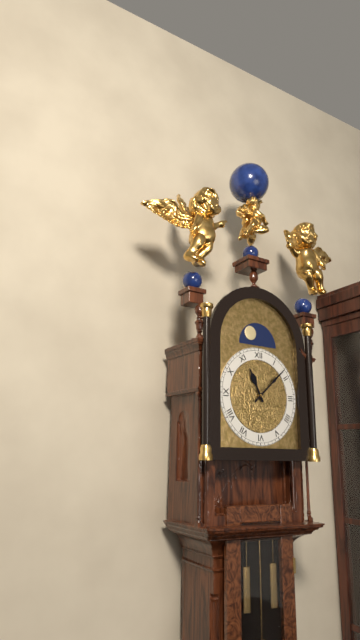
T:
11:08
